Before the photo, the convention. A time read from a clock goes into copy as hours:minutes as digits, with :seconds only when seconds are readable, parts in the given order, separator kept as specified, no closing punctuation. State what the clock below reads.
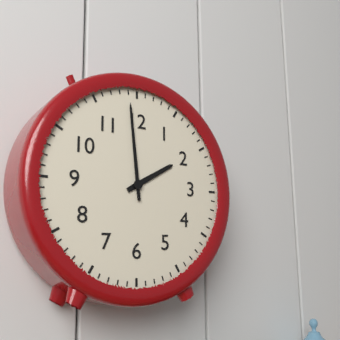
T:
1:59
